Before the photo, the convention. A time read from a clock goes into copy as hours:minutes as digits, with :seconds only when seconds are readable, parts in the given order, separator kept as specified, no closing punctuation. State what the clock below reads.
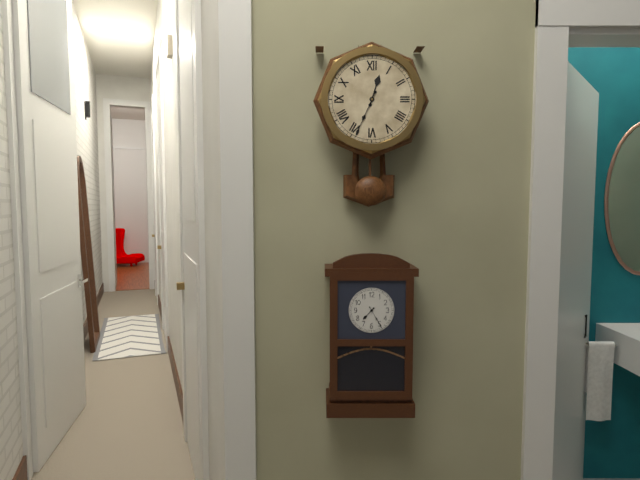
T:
12:34
